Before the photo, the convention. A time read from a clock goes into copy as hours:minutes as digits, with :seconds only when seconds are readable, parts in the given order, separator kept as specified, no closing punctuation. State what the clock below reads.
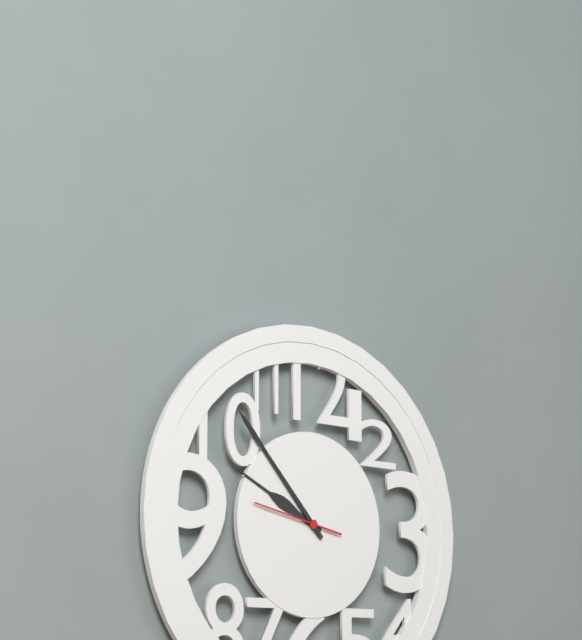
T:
9:53:47
